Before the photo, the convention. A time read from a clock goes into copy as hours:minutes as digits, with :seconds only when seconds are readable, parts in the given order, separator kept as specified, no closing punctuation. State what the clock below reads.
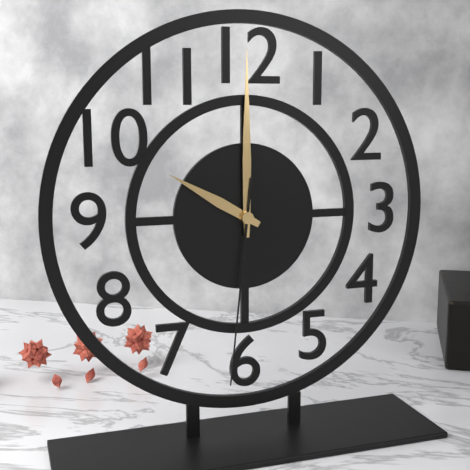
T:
10:00:31
